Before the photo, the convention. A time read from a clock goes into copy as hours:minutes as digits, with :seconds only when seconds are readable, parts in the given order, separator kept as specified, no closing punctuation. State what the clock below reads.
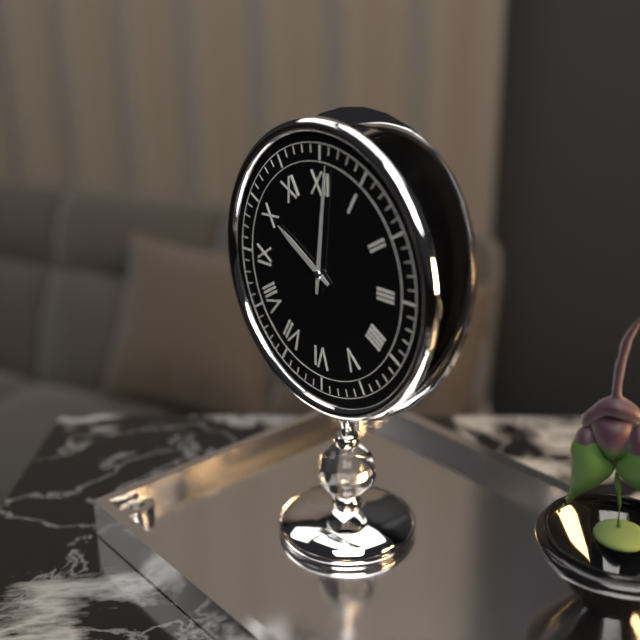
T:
10:01
